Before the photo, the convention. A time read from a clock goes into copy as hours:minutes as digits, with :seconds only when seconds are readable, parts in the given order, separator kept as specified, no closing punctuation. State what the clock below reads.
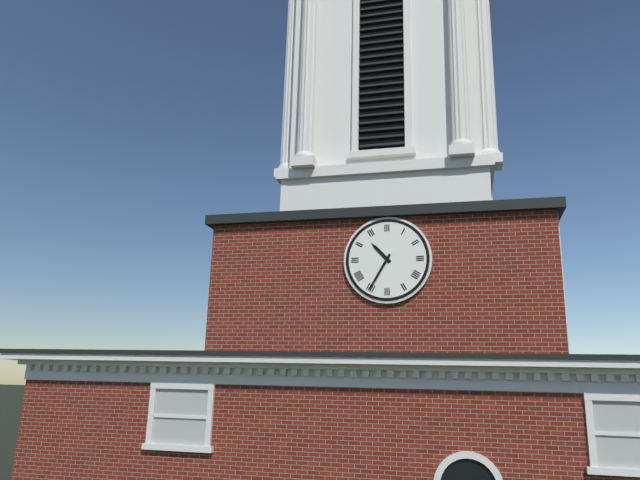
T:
10:35
